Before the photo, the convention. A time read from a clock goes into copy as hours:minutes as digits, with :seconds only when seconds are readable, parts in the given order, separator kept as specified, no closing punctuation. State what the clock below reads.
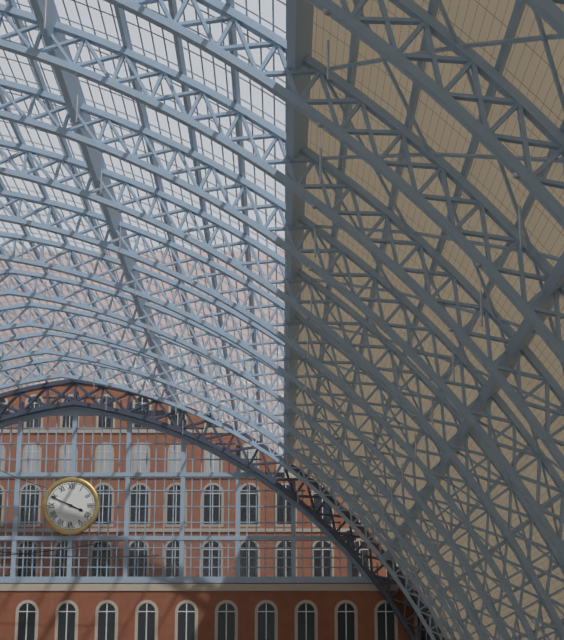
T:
3:49
